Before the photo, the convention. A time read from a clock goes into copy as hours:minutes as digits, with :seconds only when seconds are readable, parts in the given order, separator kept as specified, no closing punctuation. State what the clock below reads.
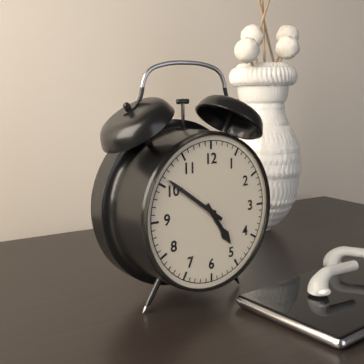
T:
4:51
